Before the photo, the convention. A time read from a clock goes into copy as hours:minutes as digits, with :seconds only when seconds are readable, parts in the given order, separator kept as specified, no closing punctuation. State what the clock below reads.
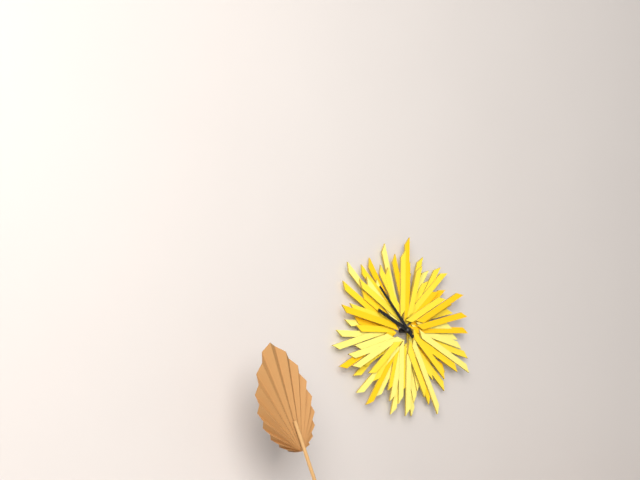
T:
9:53
